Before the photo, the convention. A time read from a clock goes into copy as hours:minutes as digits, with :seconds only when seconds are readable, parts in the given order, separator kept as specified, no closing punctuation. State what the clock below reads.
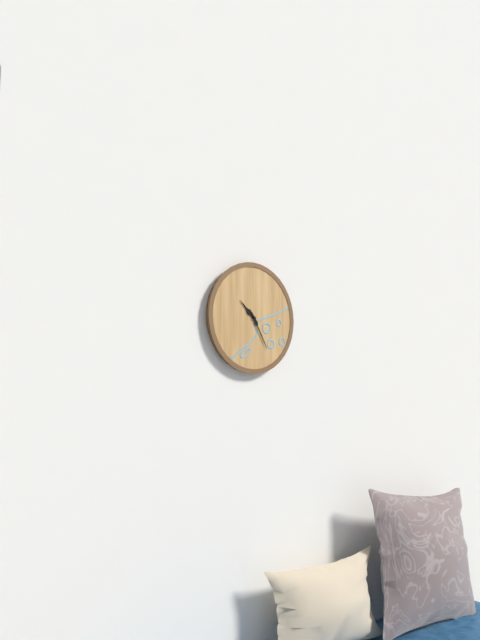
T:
10:25
